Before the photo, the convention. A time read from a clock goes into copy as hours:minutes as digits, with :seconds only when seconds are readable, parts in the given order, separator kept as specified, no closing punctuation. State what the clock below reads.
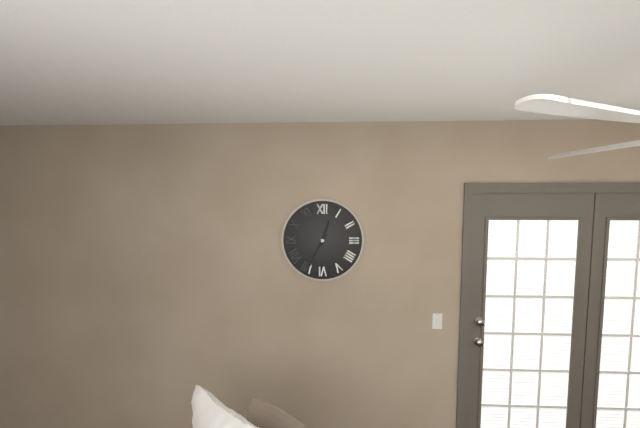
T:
12:35
